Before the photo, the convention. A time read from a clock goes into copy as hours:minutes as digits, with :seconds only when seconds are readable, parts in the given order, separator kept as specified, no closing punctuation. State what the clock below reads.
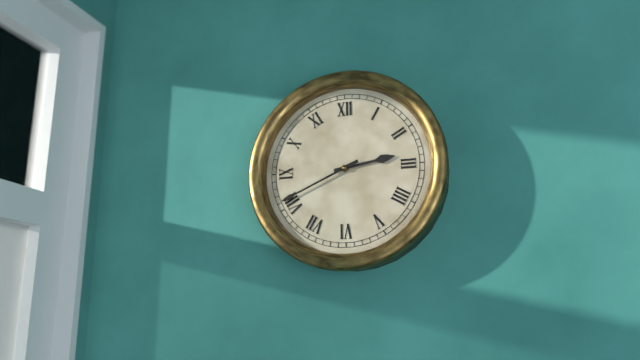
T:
2:41
